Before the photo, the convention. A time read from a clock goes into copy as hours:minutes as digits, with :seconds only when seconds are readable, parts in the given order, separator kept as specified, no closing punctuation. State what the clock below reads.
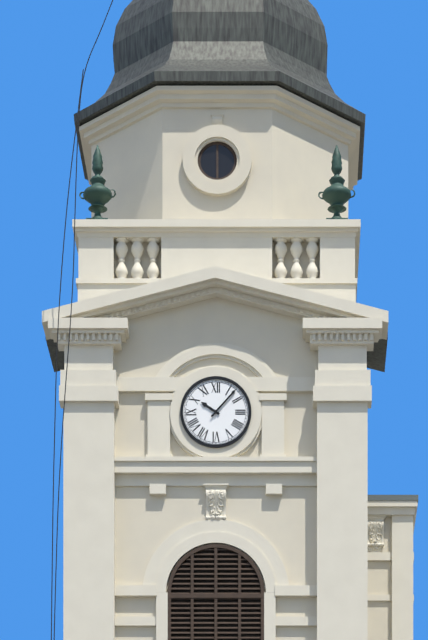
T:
10:07
